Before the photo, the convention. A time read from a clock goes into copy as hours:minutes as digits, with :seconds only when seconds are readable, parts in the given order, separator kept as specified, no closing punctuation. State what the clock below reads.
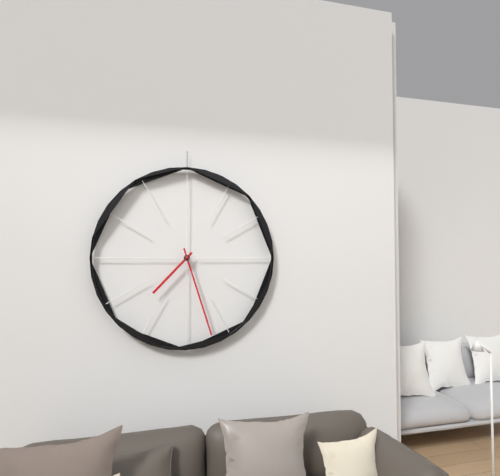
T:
7:27
